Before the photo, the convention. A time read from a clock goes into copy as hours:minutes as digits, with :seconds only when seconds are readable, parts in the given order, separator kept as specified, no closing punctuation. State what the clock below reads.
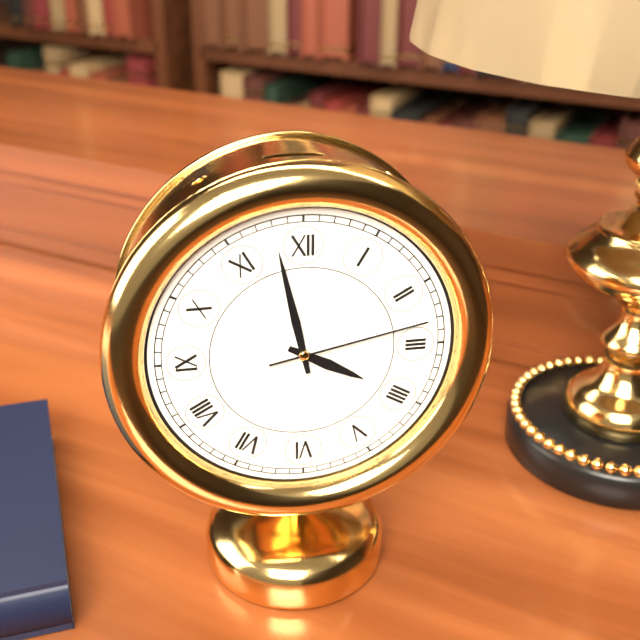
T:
3:58:13
